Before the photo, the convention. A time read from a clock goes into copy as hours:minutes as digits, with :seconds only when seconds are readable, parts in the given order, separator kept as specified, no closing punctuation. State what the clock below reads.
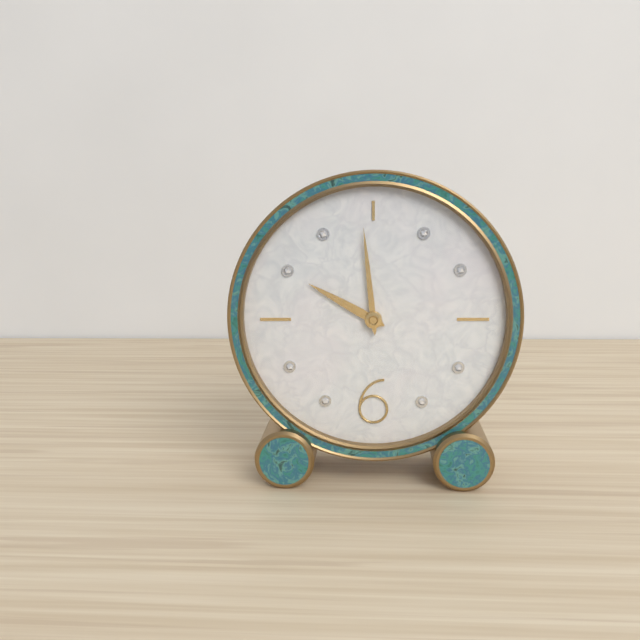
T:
9:59
